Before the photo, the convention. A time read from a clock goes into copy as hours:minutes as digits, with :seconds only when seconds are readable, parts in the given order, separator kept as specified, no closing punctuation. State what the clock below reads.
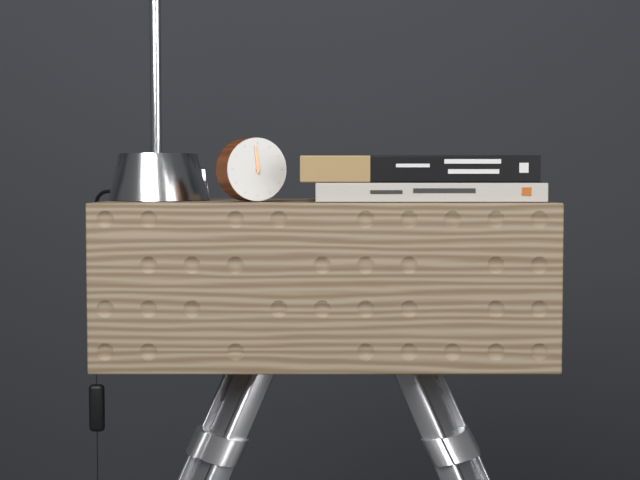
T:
11:59
